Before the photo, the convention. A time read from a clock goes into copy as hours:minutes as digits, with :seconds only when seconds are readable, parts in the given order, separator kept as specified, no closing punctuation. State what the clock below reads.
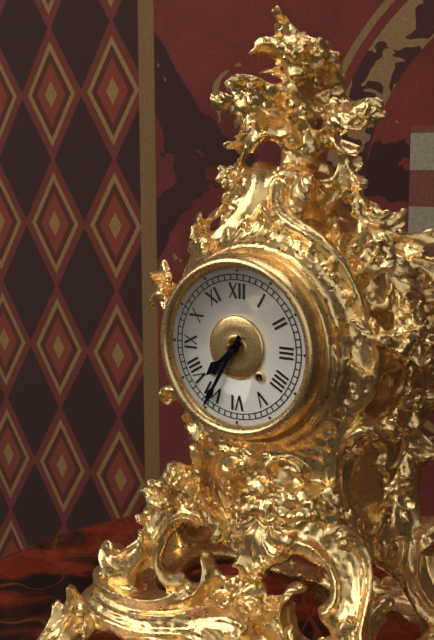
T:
7:35
